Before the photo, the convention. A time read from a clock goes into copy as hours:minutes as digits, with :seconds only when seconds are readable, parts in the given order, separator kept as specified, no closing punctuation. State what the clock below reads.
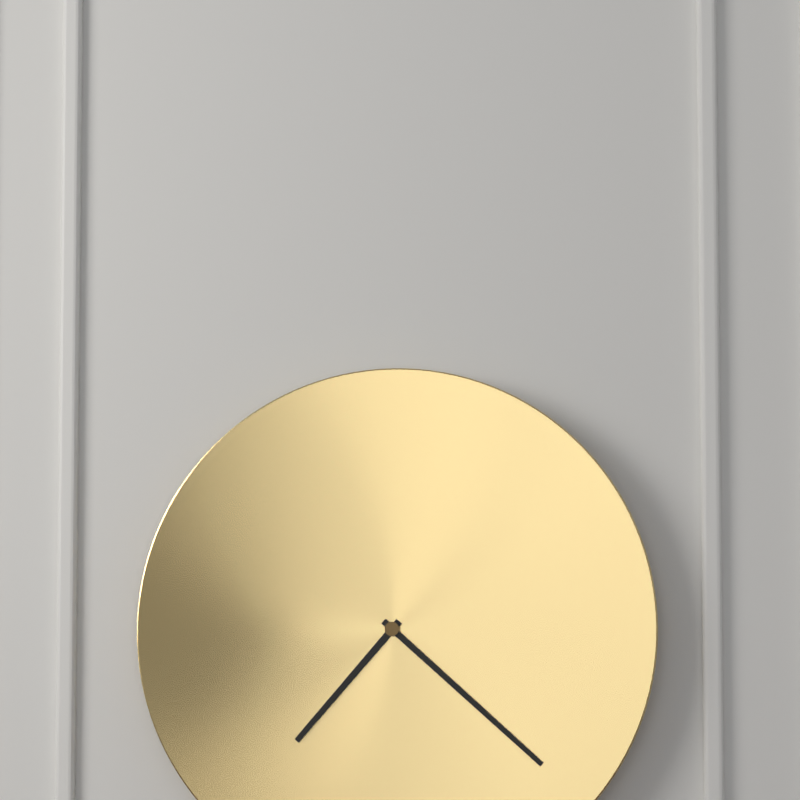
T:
7:22
